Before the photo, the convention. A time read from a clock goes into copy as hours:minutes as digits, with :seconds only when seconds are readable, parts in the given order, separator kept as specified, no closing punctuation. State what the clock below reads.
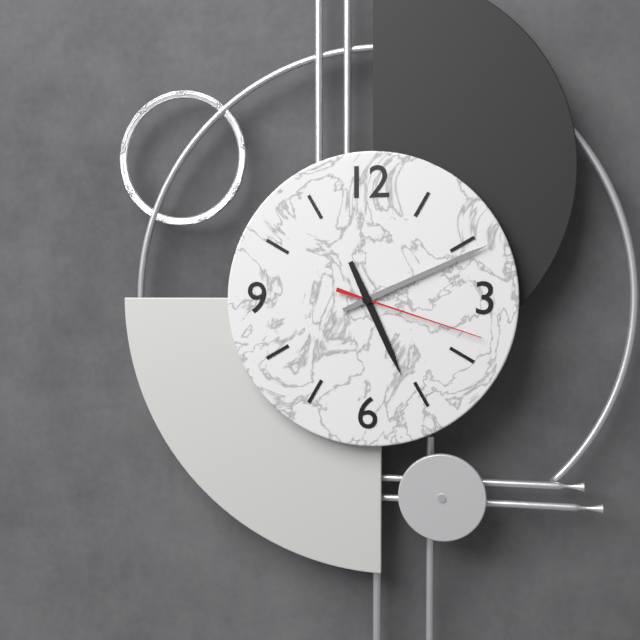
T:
5:11:18
